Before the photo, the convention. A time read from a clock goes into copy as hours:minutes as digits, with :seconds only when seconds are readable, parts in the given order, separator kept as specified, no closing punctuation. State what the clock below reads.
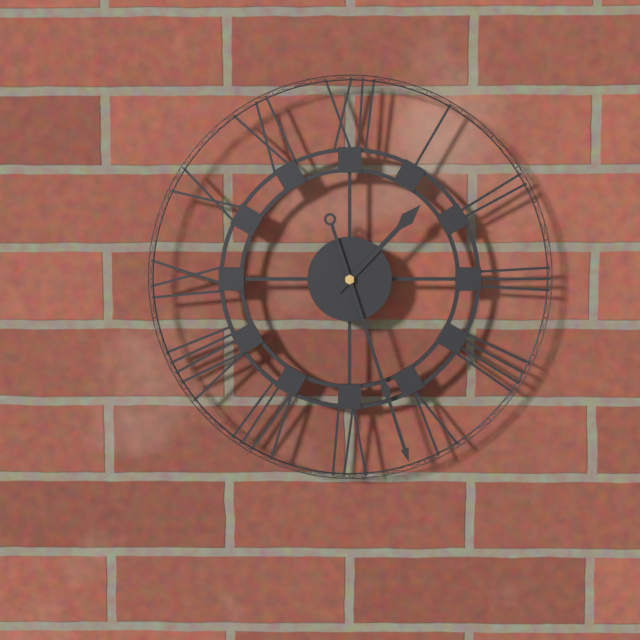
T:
1:27
